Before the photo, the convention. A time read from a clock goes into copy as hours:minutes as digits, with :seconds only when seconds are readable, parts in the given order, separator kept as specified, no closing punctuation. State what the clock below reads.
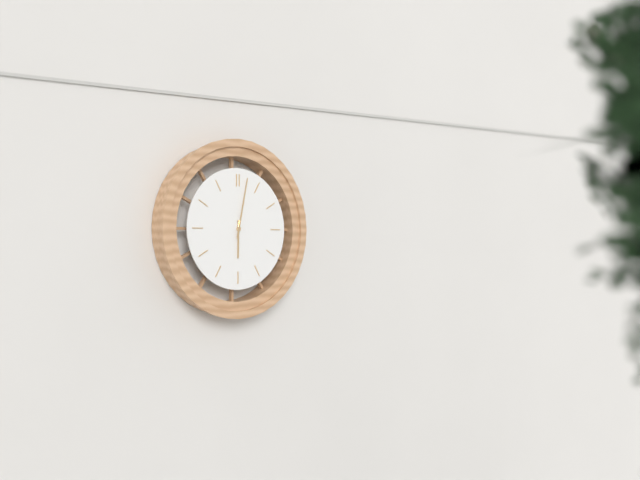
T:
6:02
